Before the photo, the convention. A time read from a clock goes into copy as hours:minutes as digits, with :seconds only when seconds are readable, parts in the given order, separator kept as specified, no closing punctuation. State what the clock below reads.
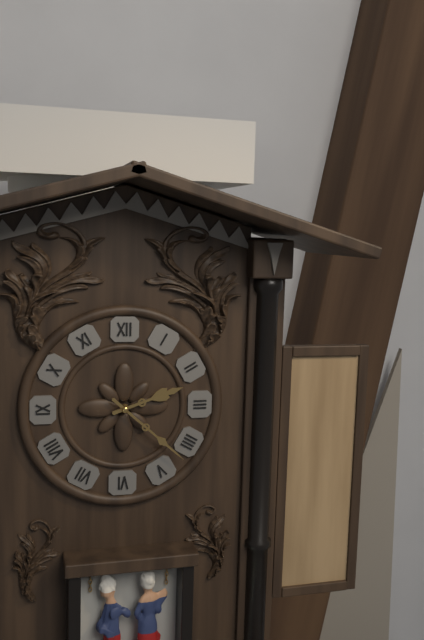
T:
2:22
